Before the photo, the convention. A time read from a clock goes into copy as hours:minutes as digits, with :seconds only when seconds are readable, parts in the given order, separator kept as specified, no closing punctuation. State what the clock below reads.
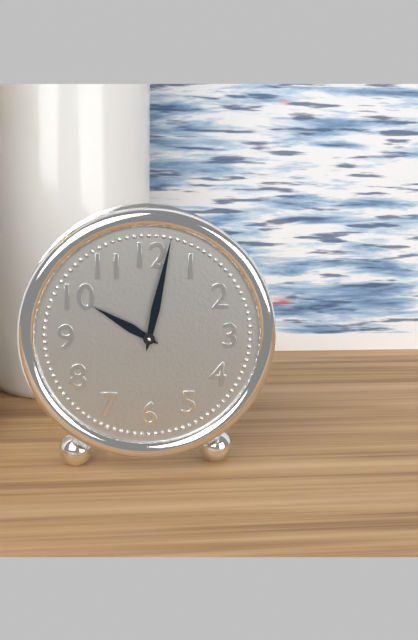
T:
10:02
